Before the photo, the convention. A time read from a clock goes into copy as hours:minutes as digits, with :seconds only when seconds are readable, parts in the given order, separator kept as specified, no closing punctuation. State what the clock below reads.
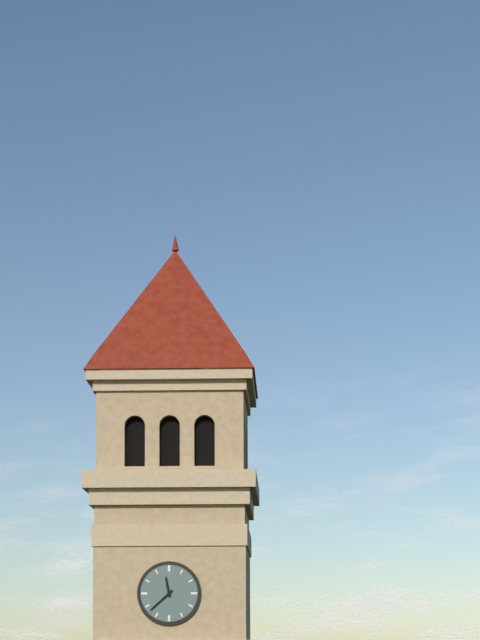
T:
11:38
